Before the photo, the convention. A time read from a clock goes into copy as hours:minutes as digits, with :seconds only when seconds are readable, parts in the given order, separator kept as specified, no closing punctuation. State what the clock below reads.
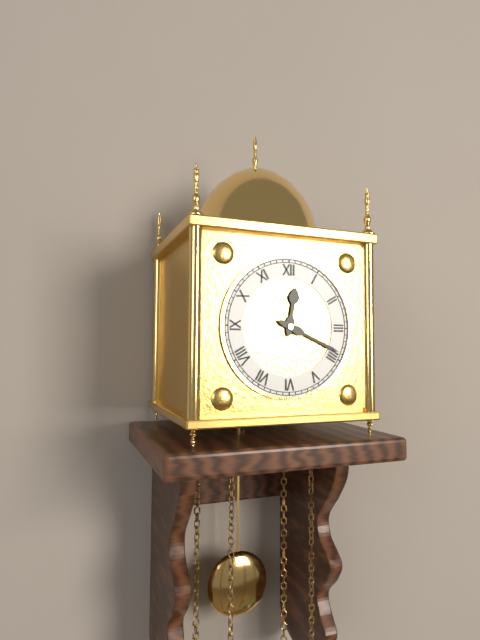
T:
12:19
